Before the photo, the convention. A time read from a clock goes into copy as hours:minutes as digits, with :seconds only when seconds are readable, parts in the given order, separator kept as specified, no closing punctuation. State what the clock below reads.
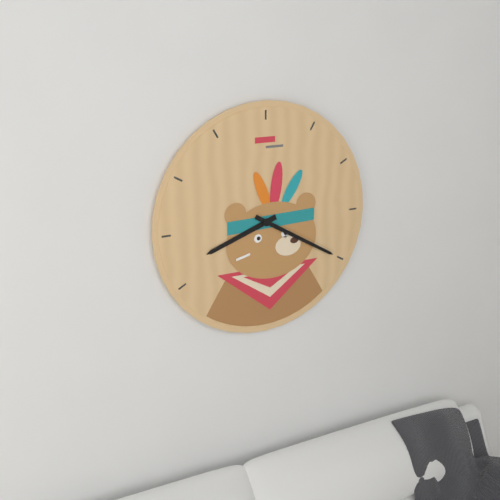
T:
8:20
